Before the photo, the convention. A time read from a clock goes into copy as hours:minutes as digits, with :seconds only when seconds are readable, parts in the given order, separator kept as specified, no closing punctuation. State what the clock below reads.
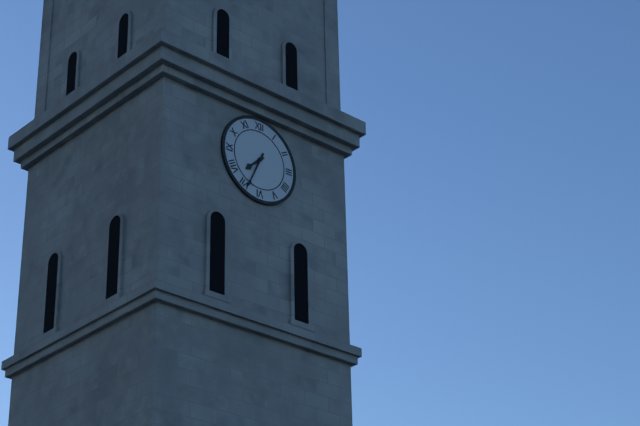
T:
7:34
